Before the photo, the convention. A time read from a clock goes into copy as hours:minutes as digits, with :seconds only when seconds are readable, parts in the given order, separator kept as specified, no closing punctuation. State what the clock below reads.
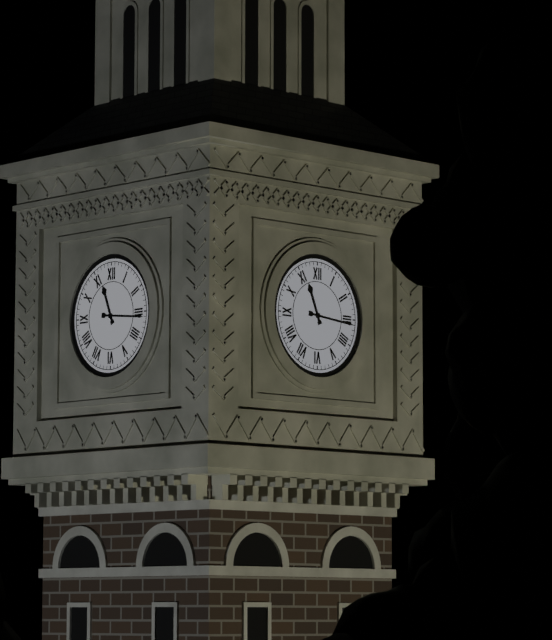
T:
11:16
